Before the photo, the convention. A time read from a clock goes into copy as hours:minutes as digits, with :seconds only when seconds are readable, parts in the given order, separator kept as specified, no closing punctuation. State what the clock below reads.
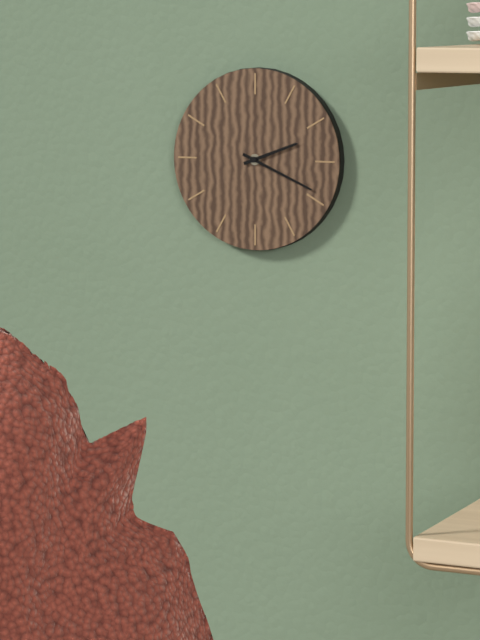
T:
2:19
